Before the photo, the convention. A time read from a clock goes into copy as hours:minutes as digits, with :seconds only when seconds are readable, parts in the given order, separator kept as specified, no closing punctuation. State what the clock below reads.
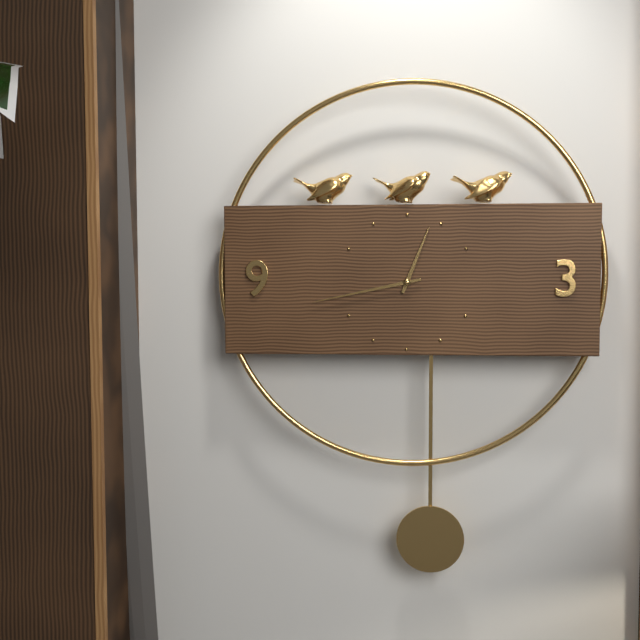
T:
12:43
